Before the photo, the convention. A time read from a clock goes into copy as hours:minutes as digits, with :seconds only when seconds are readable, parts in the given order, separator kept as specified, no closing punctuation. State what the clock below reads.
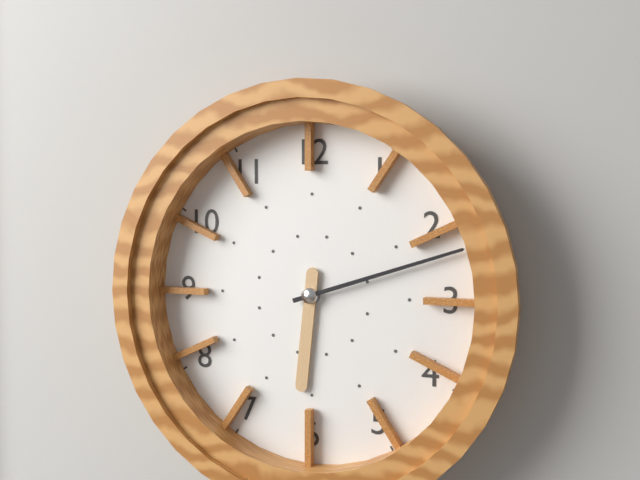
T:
6:12
